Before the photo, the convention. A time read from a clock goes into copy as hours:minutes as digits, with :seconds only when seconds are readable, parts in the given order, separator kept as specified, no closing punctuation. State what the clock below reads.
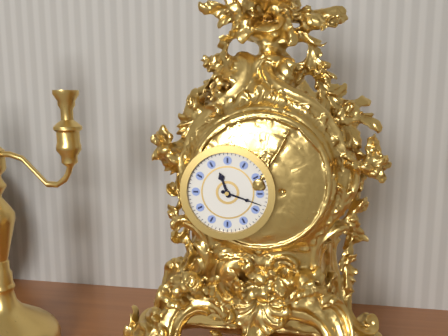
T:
11:18
